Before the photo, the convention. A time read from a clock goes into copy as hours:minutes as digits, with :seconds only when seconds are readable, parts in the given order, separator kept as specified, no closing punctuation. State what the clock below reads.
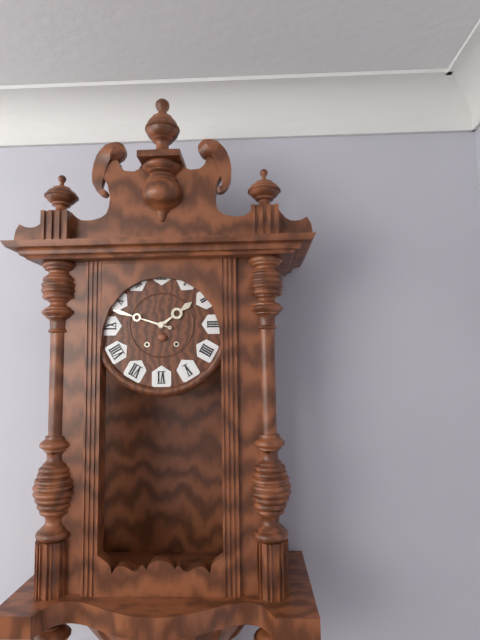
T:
1:48
